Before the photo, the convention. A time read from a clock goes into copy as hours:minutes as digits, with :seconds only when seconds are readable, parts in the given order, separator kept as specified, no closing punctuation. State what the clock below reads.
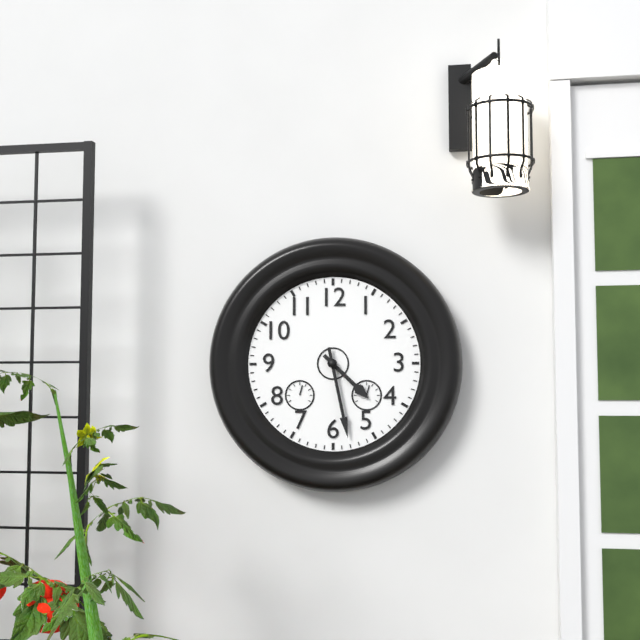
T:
4:28
